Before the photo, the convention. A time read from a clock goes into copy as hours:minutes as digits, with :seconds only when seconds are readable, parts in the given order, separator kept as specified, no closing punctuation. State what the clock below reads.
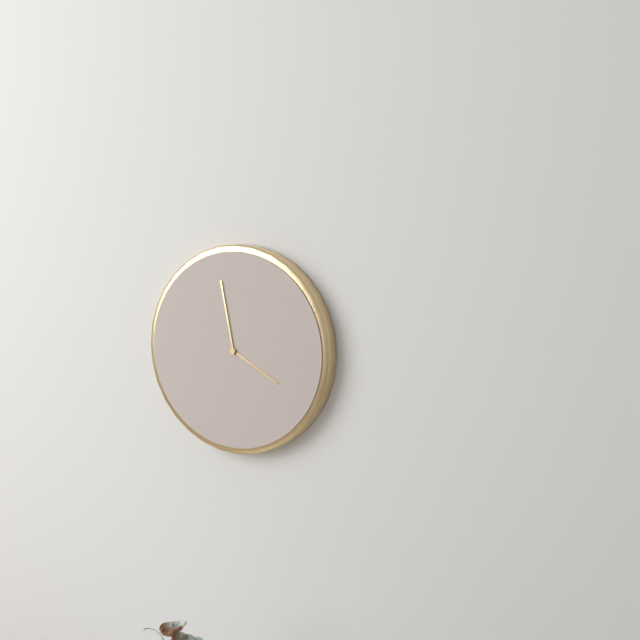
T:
3:58
